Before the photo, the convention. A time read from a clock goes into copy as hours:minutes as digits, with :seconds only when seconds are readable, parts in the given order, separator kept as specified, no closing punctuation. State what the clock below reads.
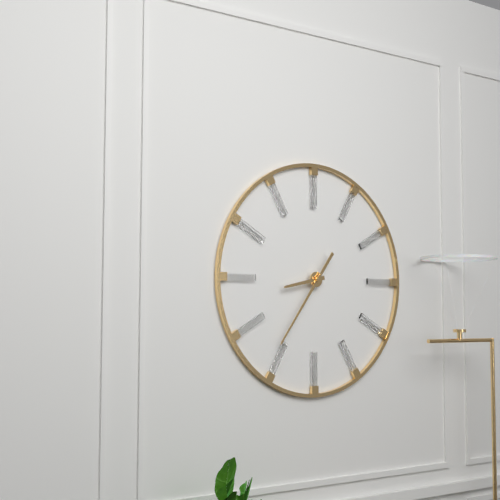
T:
8:36
